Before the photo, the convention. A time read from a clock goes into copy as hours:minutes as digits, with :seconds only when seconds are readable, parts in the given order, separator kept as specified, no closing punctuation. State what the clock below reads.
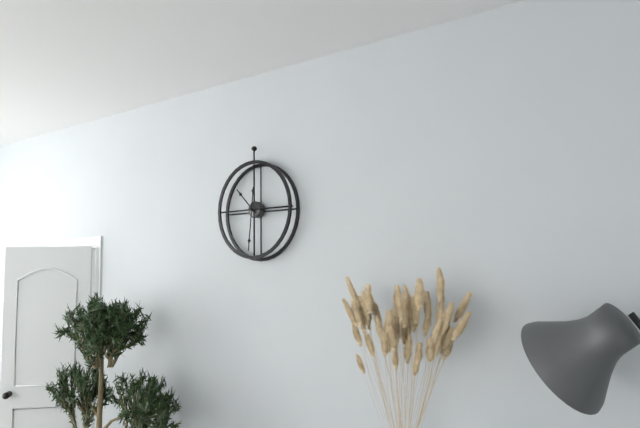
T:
10:31
